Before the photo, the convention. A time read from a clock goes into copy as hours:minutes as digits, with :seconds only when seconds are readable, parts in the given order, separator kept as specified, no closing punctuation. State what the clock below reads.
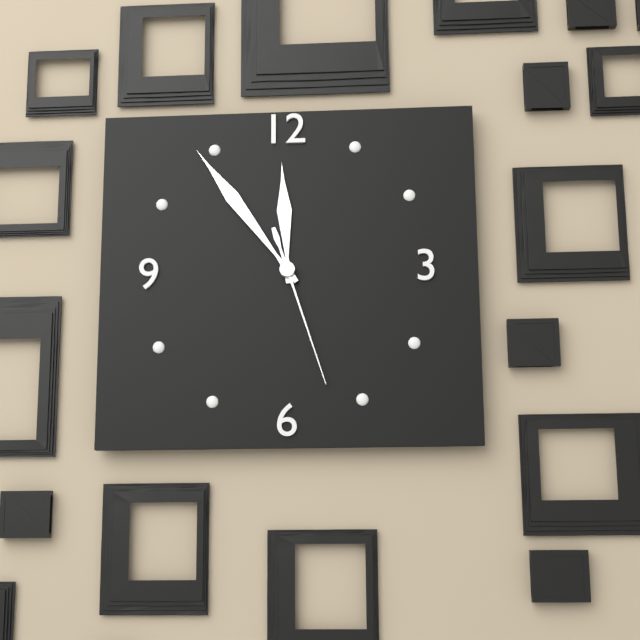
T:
11:54:27
